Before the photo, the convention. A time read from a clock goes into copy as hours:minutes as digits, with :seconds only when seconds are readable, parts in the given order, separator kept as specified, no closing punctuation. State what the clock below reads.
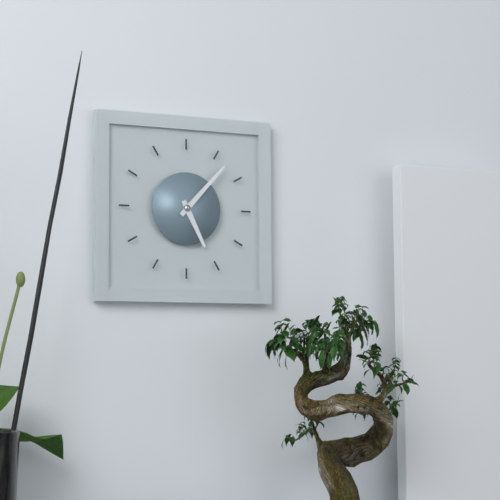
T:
5:07
